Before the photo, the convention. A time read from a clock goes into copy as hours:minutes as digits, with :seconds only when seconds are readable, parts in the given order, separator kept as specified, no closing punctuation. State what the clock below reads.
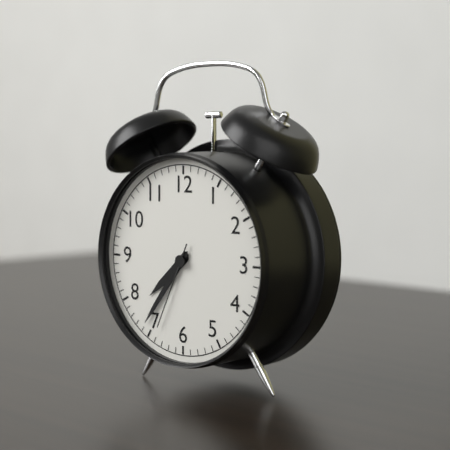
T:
7:36:34
